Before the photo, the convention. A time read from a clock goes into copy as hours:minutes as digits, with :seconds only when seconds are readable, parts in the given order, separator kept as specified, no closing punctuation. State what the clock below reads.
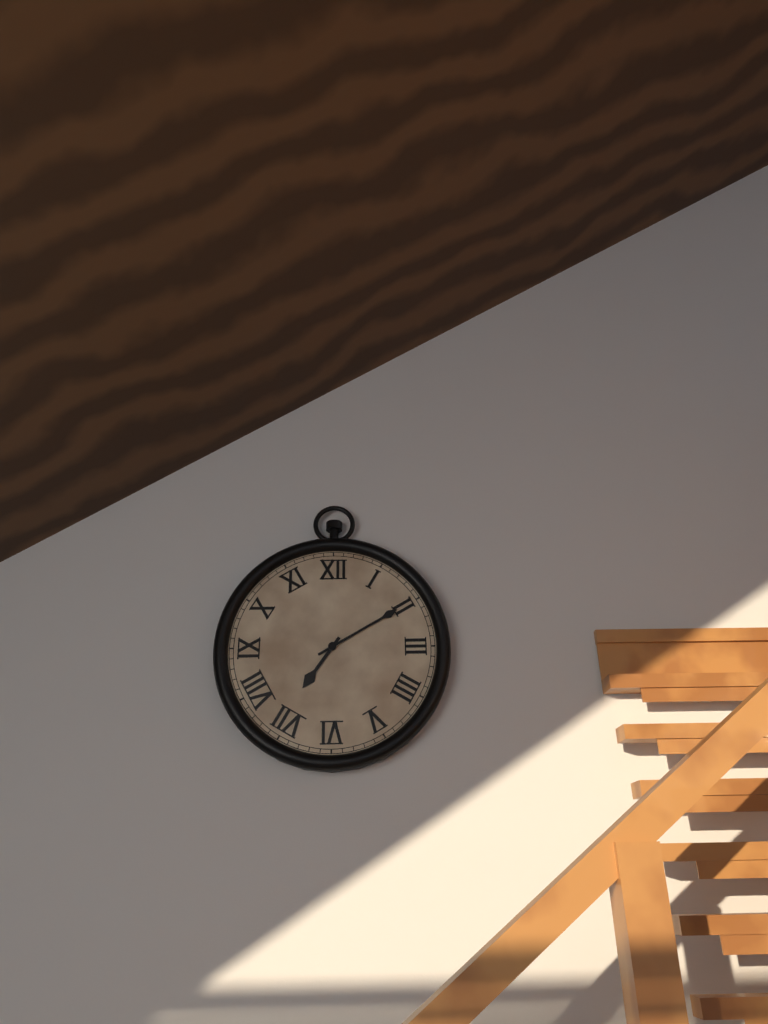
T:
7:10
